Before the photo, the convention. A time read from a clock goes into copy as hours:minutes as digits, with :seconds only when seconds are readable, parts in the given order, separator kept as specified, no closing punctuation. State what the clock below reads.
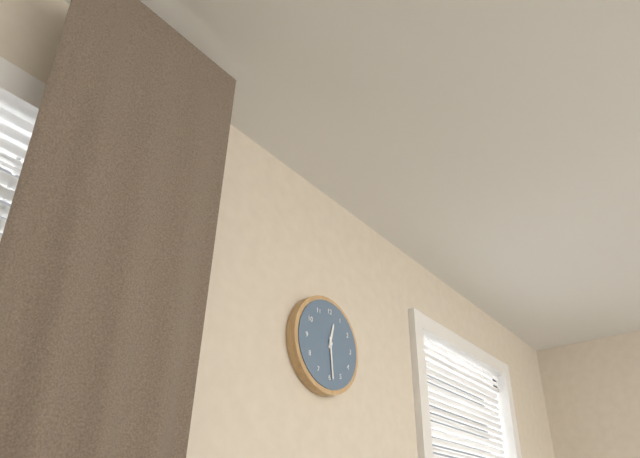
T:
12:29
